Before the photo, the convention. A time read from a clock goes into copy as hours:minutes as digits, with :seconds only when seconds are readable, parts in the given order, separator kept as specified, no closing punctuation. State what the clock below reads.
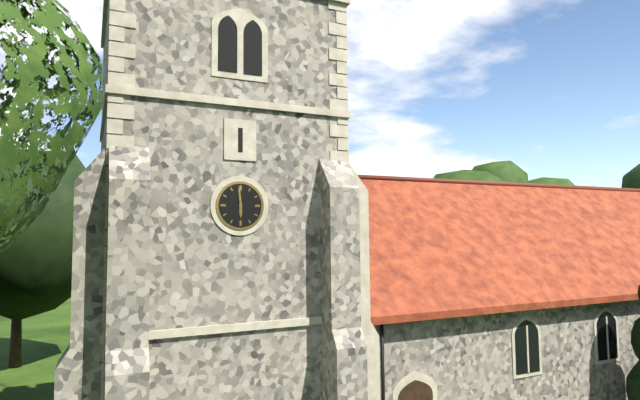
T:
5:59
